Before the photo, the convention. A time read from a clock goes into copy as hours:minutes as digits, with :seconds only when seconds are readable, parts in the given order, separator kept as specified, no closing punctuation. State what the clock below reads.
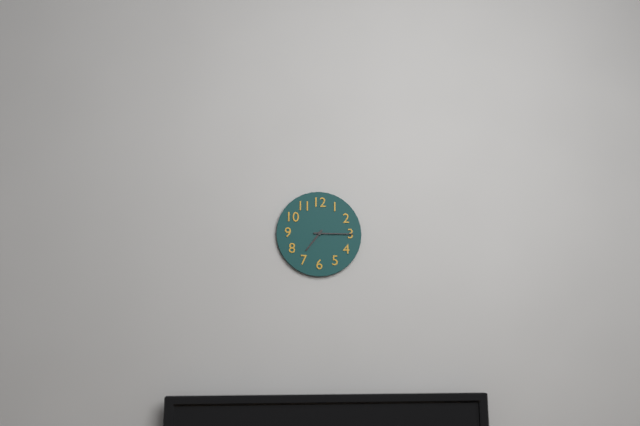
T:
7:15
